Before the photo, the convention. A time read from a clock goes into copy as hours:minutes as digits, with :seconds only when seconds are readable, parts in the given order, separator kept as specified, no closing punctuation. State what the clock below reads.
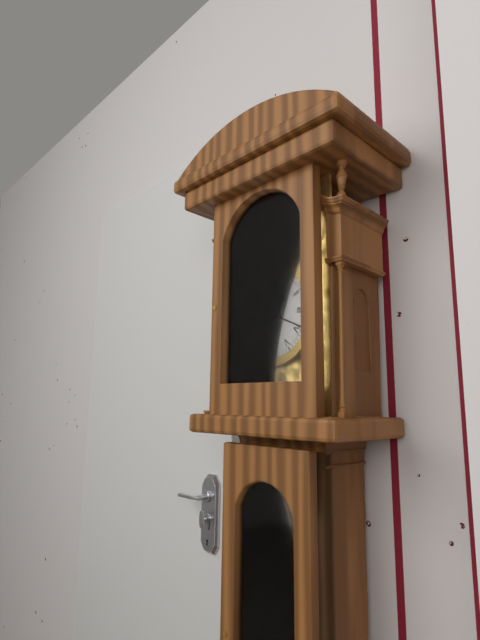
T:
1:19
